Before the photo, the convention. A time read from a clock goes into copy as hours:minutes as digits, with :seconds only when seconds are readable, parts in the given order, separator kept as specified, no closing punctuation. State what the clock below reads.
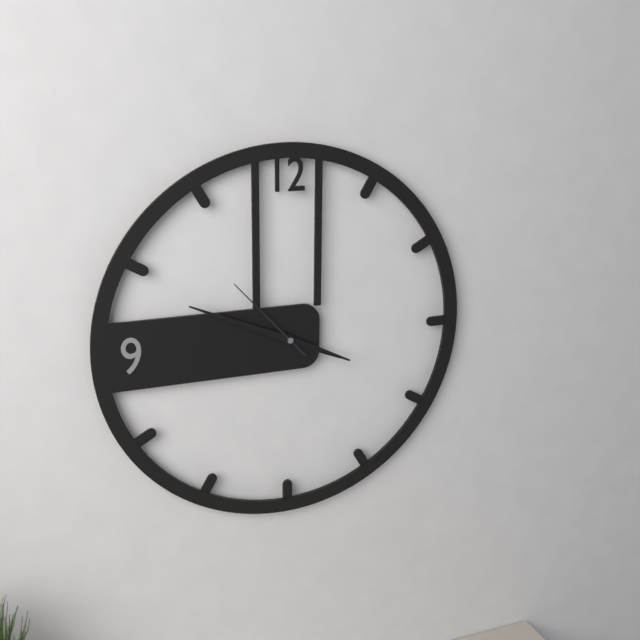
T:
3:49:53
